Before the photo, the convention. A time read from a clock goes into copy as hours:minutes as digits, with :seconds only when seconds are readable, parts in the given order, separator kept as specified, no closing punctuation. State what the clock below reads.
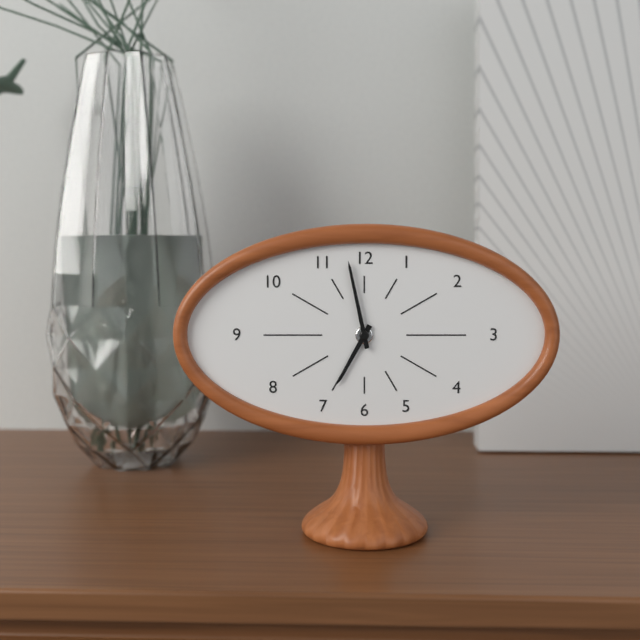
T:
6:58
